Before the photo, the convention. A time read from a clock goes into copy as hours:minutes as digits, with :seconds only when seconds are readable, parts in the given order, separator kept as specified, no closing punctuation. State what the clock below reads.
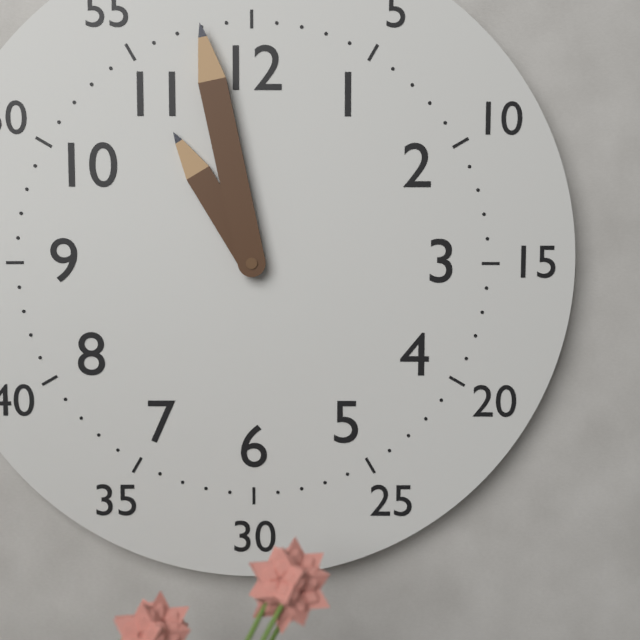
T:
10:58
